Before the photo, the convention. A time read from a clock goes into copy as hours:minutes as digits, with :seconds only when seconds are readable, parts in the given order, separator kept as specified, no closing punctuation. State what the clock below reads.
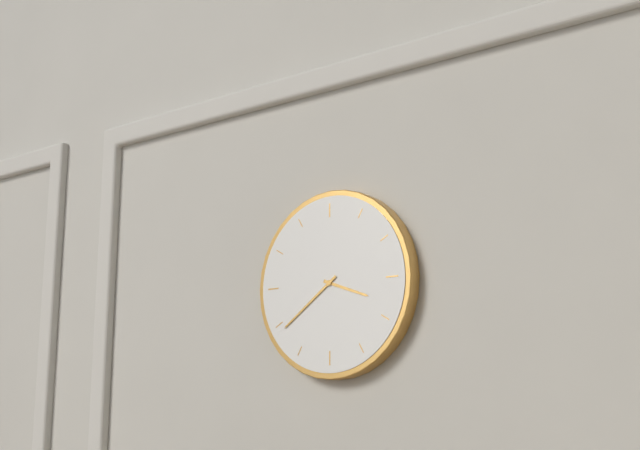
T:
3:39
